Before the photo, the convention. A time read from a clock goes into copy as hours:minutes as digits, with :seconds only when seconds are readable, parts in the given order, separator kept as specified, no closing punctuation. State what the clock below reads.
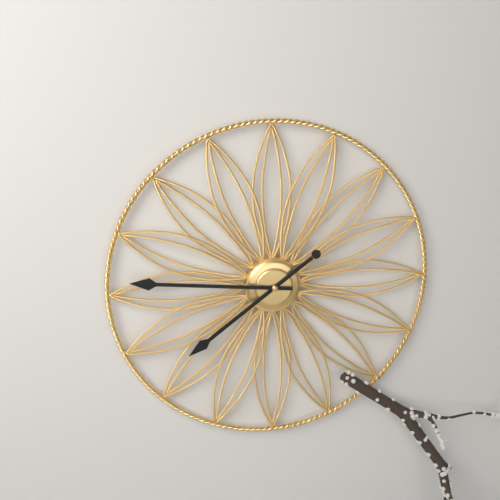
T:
7:46
